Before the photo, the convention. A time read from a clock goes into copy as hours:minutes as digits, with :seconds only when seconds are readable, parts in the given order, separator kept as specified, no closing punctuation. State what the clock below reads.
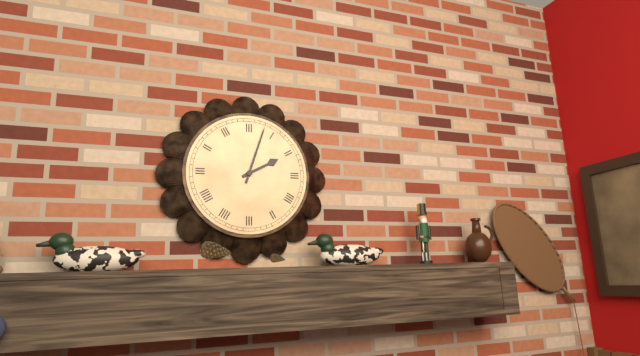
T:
2:03
